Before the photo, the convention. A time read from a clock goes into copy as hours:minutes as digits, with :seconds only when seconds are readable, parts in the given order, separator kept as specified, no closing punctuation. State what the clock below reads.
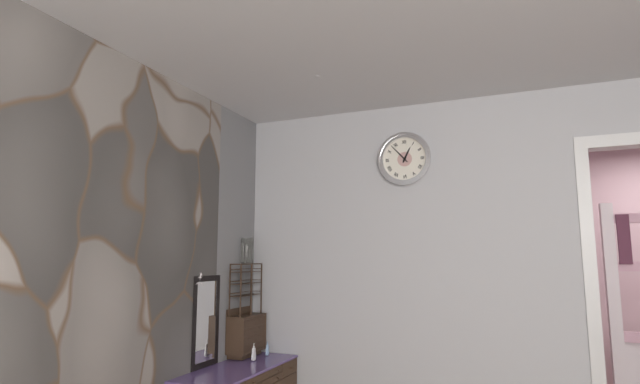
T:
12:53
